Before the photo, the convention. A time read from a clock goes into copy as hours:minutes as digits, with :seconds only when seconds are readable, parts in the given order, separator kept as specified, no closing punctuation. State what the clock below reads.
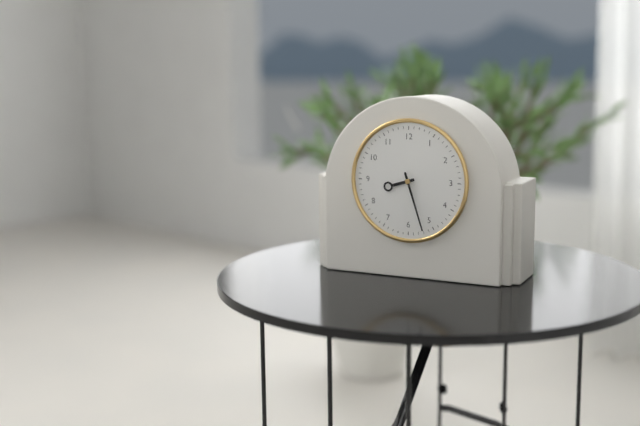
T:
8:27
